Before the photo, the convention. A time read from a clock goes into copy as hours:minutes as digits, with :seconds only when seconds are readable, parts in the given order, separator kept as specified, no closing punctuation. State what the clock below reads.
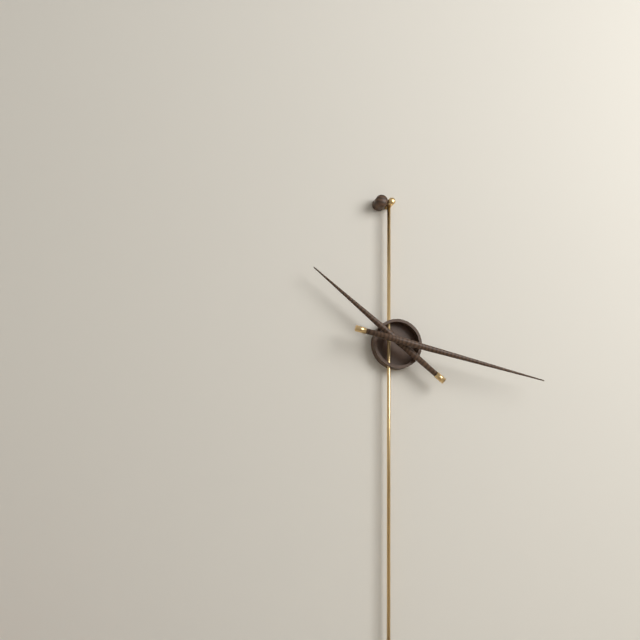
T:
10:17
